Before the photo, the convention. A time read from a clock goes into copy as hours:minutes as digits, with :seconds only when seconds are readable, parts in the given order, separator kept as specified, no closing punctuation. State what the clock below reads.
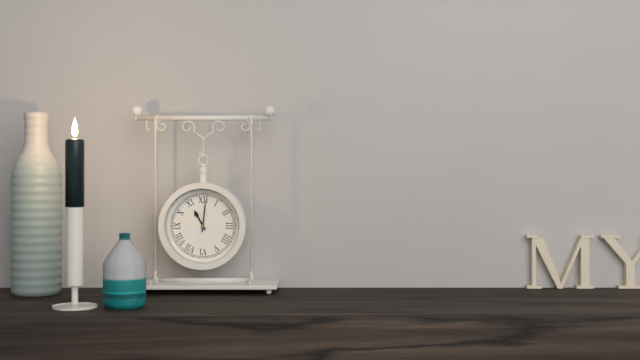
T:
11:01
